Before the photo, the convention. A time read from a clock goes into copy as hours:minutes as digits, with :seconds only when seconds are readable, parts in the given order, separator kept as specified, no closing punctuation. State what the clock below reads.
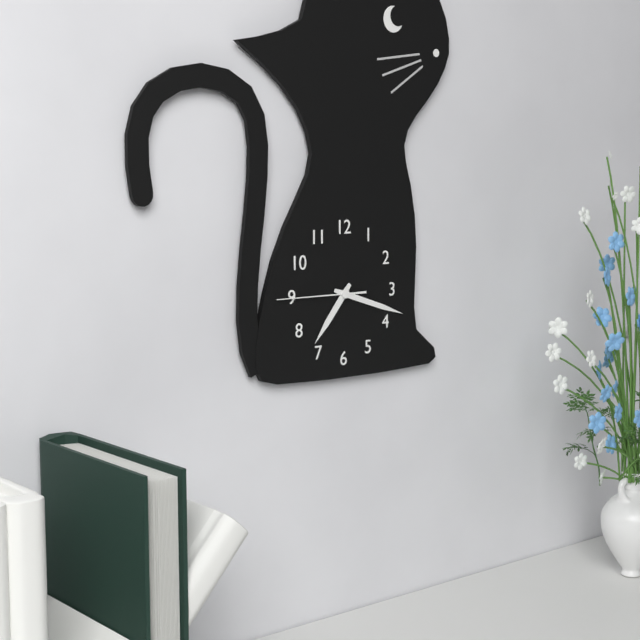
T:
7:18:45
